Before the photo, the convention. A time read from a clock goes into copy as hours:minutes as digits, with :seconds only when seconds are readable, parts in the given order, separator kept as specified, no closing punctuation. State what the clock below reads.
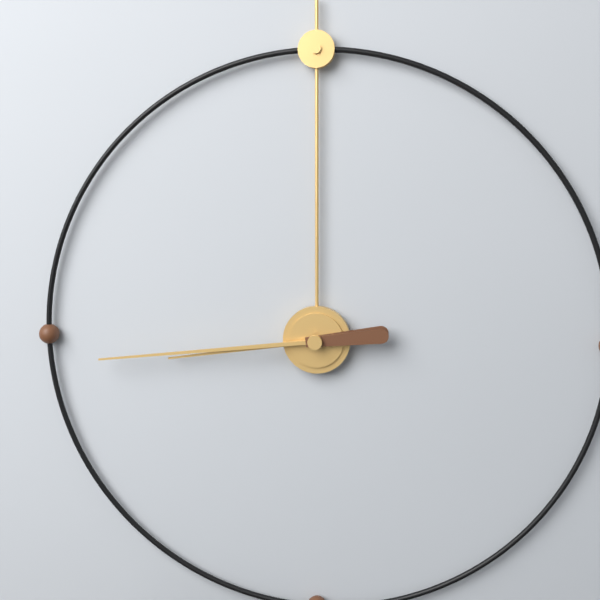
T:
8:44
